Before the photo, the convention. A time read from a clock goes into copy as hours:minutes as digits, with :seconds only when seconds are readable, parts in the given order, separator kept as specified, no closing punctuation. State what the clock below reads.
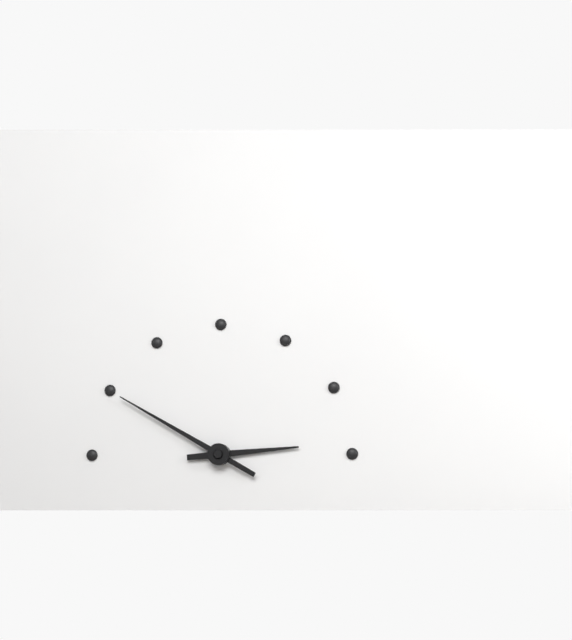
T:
2:50
